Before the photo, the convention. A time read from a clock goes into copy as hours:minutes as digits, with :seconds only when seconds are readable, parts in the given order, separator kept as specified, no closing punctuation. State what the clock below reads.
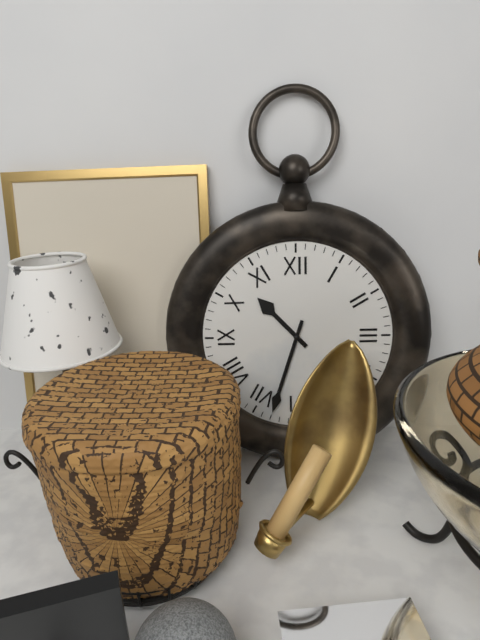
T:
10:33
